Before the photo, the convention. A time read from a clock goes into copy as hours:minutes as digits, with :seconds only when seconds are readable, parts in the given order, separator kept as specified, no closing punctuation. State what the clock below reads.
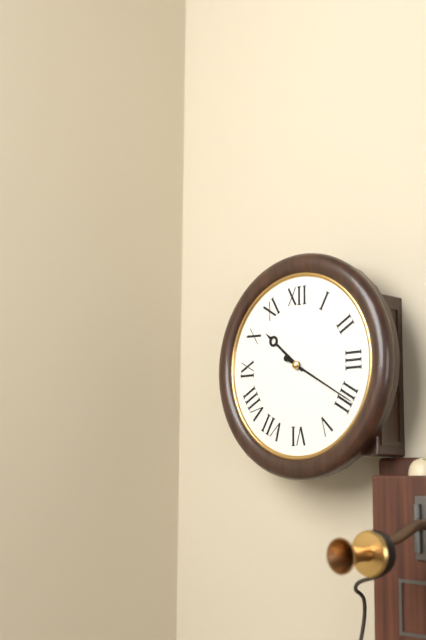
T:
10:20
